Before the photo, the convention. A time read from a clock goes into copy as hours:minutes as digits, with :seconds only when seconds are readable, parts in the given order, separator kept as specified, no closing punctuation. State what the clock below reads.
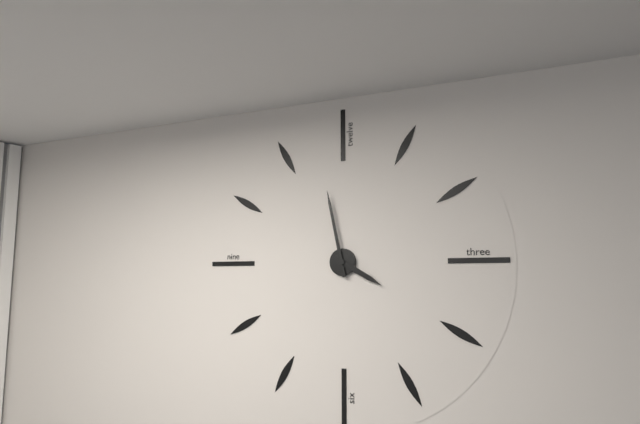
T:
3:58
